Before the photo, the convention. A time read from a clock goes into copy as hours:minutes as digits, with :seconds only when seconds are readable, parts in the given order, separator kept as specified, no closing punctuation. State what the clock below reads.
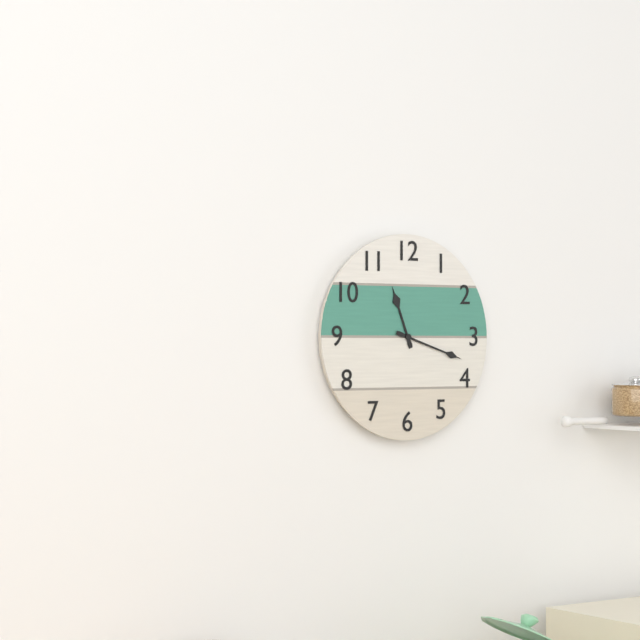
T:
11:18
